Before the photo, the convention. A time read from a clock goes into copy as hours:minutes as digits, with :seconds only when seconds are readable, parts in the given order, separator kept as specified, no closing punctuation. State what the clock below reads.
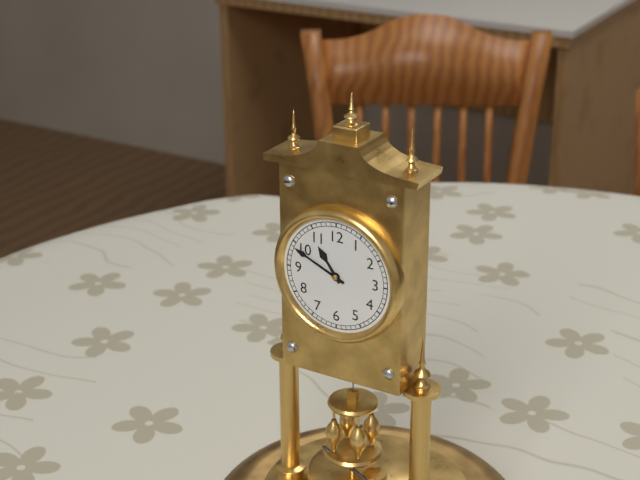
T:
10:49
